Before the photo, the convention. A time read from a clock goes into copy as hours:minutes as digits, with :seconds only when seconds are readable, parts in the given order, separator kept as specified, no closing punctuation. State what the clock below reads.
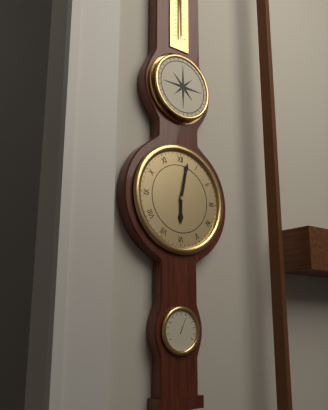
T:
6:02
